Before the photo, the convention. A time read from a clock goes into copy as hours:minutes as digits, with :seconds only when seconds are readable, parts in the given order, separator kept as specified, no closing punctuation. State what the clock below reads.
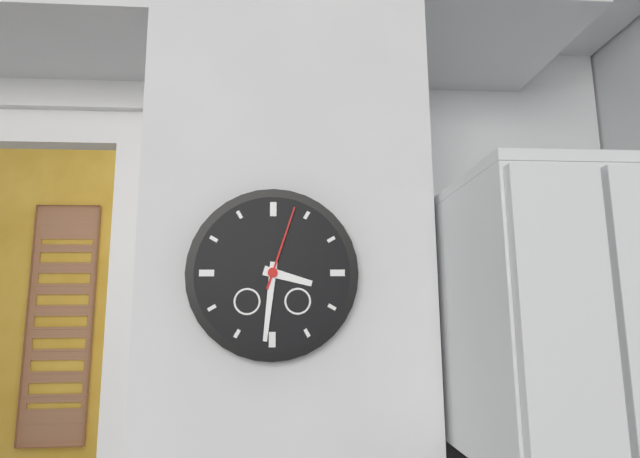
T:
3:31:03
